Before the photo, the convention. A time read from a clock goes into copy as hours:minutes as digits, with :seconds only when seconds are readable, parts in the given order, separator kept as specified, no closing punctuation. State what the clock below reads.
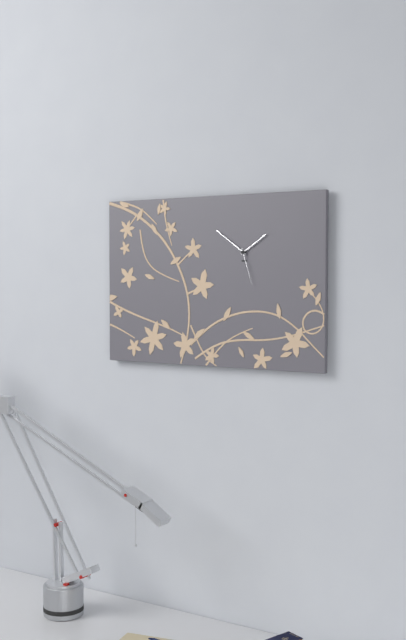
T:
1:51
